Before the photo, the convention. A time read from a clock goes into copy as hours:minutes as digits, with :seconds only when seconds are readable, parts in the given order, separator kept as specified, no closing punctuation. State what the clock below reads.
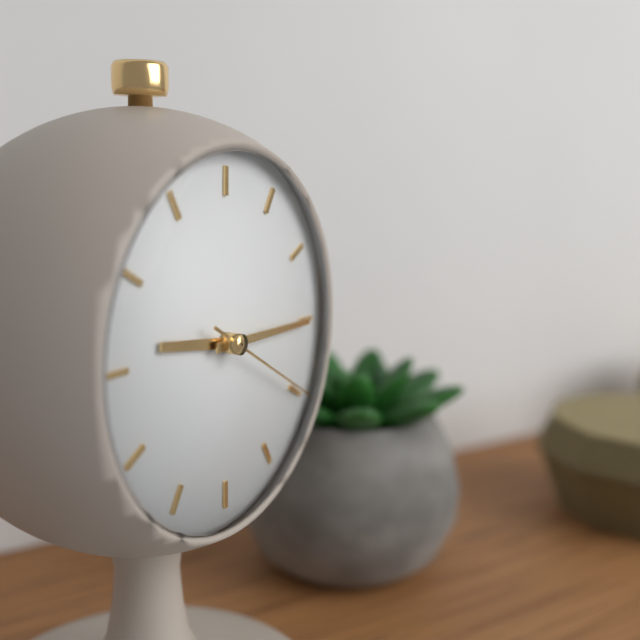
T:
9:15:20
